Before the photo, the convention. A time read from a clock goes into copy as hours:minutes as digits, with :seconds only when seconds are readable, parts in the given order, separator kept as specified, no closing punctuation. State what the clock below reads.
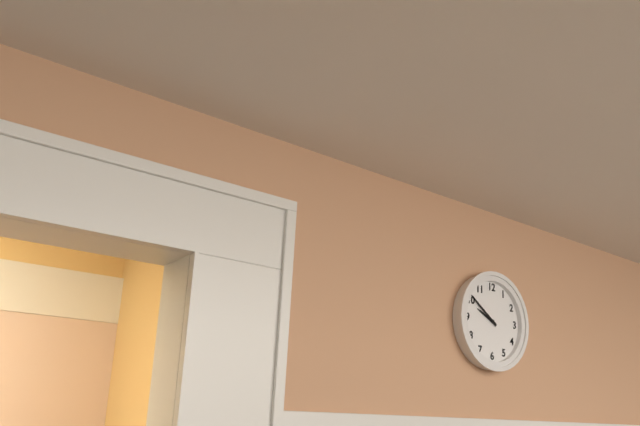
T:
9:51
